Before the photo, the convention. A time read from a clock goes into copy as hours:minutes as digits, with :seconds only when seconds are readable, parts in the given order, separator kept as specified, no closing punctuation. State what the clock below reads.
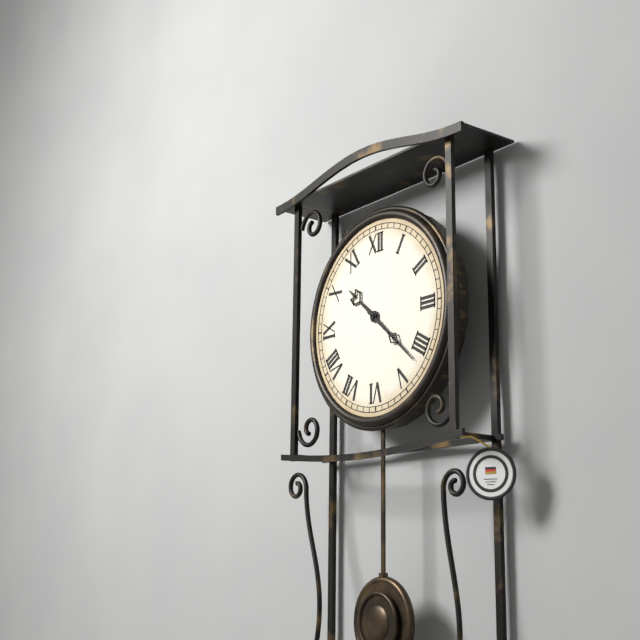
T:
10:22
